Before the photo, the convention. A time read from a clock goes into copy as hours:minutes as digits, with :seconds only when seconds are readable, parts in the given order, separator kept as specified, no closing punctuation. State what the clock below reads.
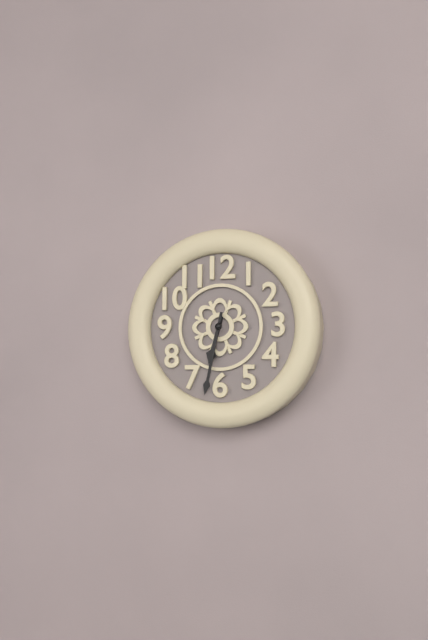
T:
6:32
